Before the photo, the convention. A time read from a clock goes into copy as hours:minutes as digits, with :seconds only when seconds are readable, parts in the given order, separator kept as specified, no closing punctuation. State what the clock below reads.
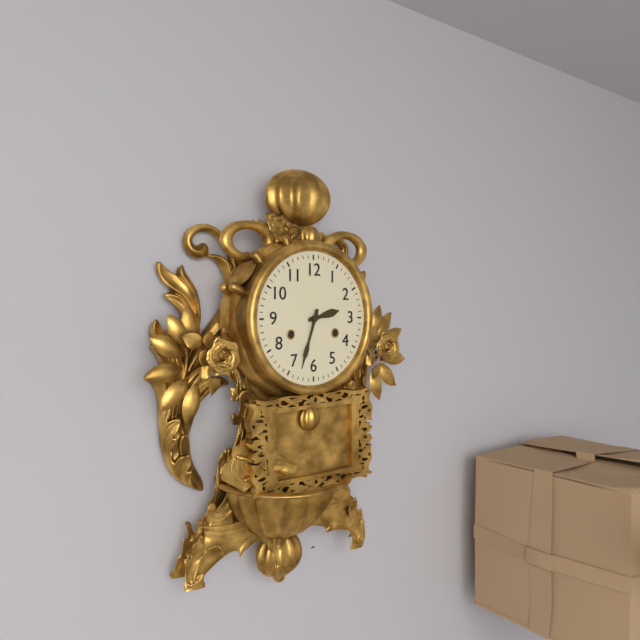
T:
2:33
